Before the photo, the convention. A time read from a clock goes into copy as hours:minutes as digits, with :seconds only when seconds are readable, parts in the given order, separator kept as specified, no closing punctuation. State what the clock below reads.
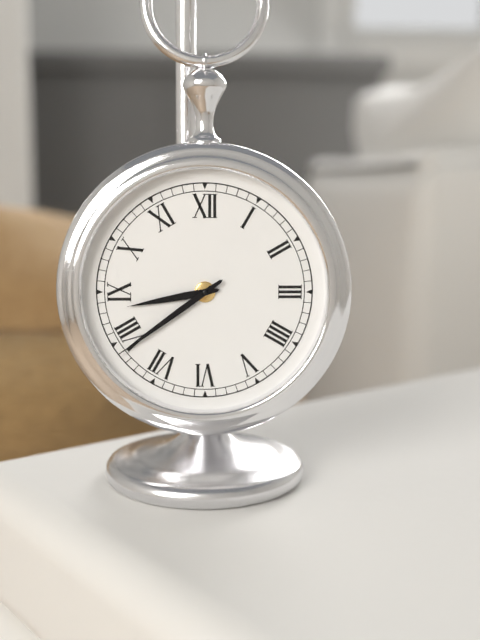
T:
8:39
